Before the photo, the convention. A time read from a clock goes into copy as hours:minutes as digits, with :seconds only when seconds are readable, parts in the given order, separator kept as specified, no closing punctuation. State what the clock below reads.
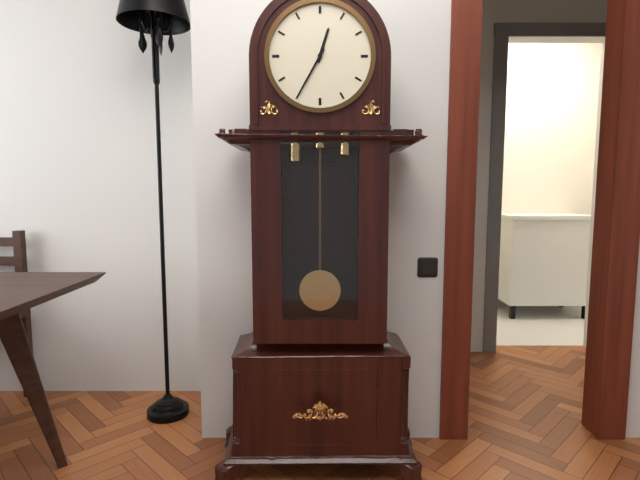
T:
12:35
